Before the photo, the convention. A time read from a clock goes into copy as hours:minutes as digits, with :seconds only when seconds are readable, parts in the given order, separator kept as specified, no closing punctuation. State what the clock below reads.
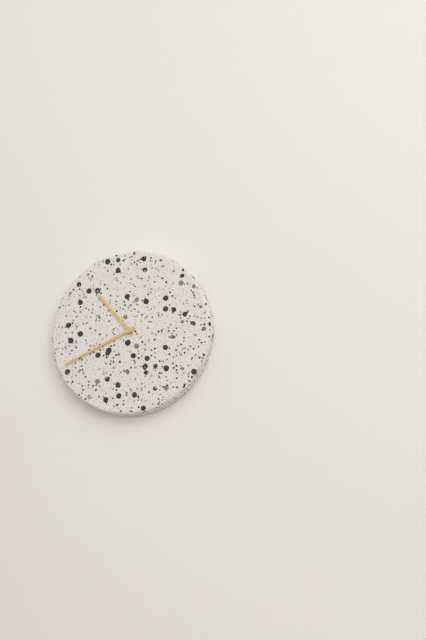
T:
10:41
